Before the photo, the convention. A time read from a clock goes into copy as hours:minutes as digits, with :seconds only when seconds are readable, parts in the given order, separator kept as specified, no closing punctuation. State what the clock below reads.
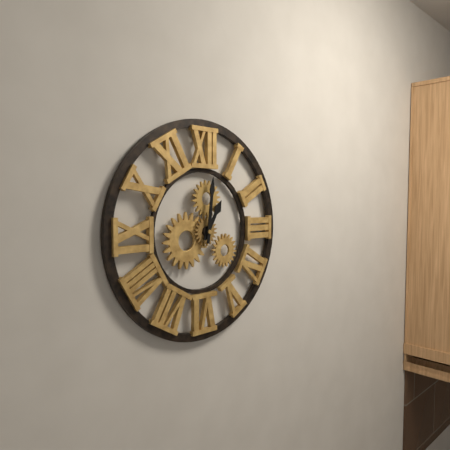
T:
1:01
